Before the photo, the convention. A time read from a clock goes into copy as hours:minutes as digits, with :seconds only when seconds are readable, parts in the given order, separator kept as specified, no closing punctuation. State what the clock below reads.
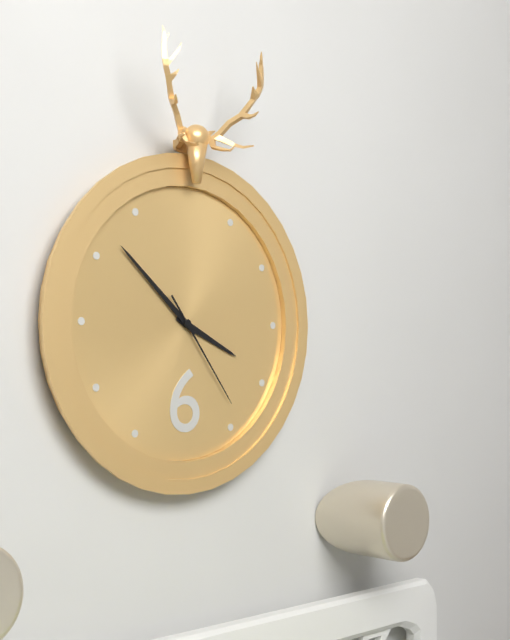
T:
3:52:24
